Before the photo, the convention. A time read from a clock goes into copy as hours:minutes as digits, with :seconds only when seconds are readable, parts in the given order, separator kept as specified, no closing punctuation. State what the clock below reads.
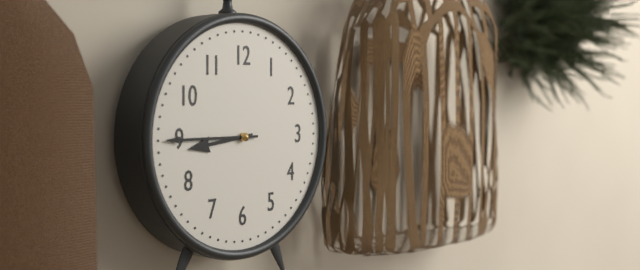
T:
8:45
